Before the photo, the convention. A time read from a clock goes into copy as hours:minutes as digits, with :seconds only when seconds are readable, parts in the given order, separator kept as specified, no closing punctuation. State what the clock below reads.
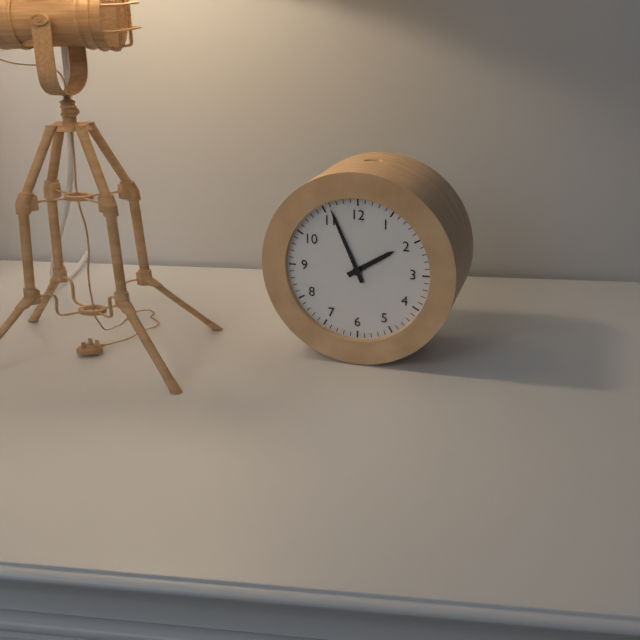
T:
1:56
